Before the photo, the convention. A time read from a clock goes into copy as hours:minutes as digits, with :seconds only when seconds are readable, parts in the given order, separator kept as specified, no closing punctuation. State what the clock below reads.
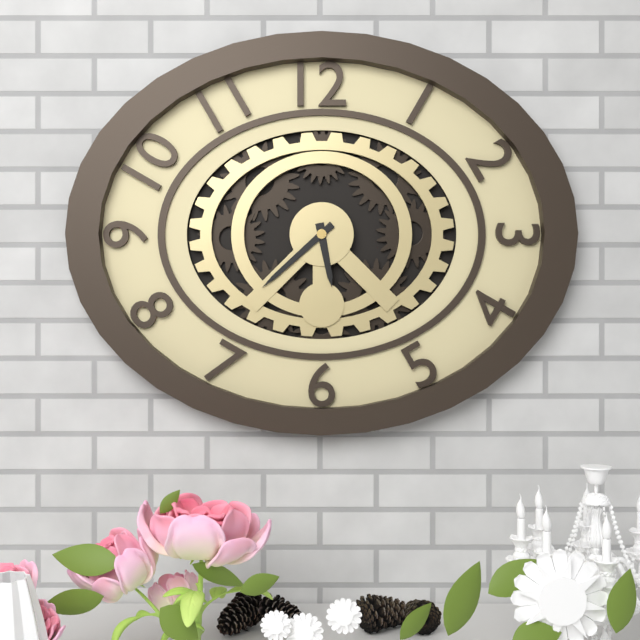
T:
5:38
